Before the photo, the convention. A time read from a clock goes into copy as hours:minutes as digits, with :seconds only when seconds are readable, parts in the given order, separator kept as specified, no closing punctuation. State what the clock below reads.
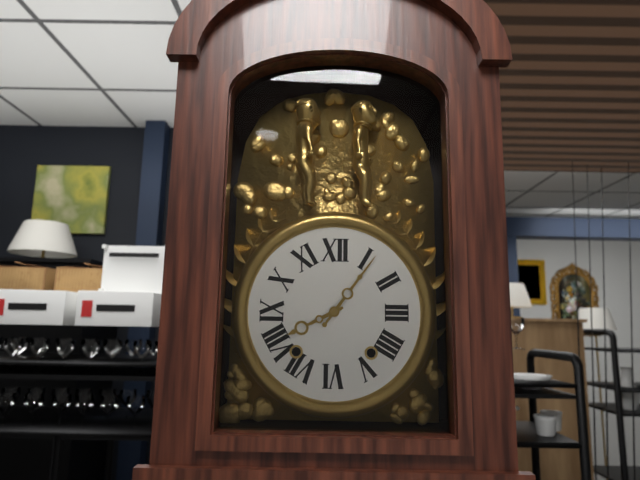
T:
8:06
